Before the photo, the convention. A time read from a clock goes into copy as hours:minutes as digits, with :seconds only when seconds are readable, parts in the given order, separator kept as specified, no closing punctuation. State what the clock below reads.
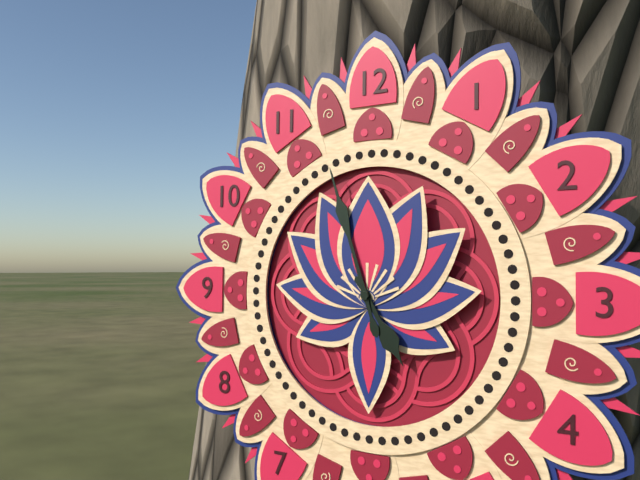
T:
4:57
